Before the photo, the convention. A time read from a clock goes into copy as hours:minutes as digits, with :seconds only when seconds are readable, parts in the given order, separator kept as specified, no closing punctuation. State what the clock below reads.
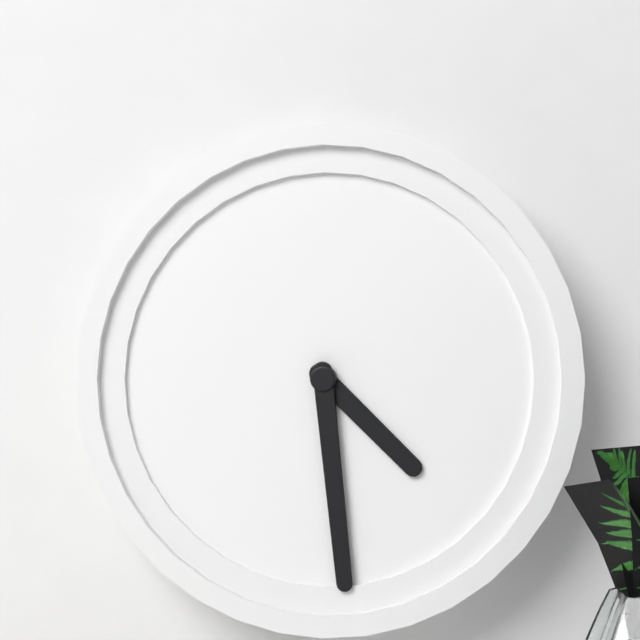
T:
4:29
